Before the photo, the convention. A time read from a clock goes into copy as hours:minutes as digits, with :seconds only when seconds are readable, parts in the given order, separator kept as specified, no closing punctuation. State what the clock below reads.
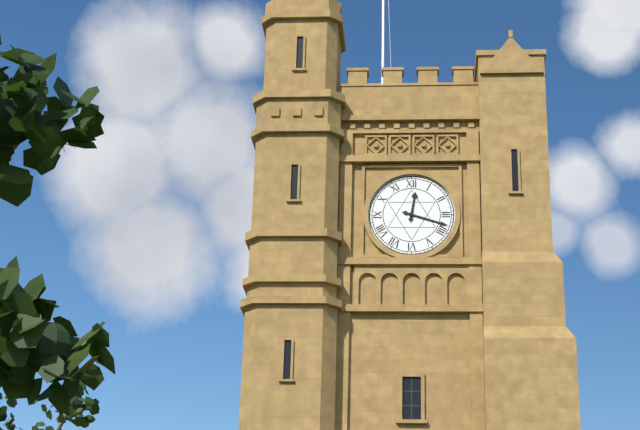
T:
12:18
